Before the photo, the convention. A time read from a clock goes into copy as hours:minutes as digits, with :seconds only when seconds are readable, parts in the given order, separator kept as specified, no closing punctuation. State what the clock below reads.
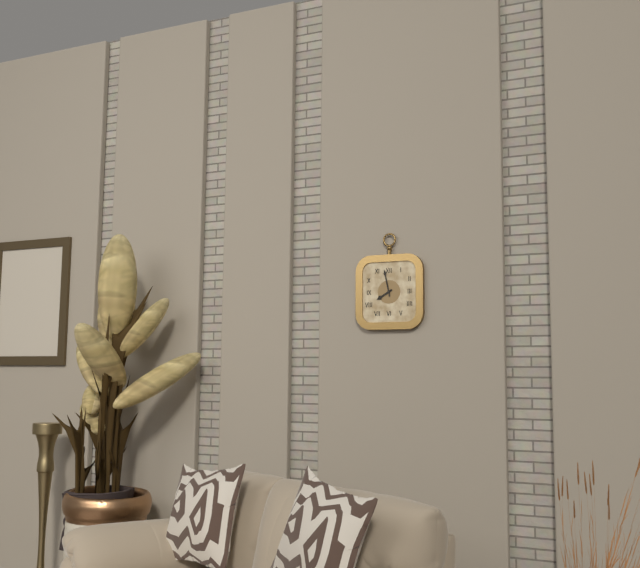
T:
7:58
